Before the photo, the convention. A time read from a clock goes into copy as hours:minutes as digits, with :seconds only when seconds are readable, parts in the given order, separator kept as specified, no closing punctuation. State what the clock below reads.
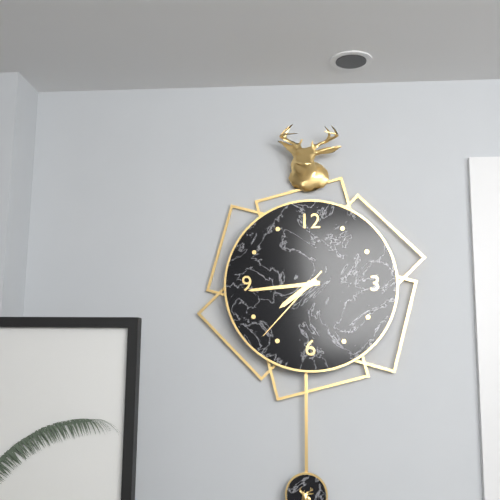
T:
7:44:37
